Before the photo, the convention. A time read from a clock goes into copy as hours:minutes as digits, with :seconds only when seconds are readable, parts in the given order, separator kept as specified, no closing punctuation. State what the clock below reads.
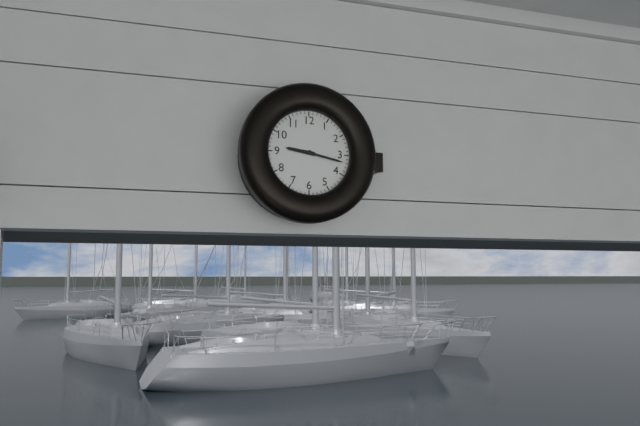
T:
9:17
